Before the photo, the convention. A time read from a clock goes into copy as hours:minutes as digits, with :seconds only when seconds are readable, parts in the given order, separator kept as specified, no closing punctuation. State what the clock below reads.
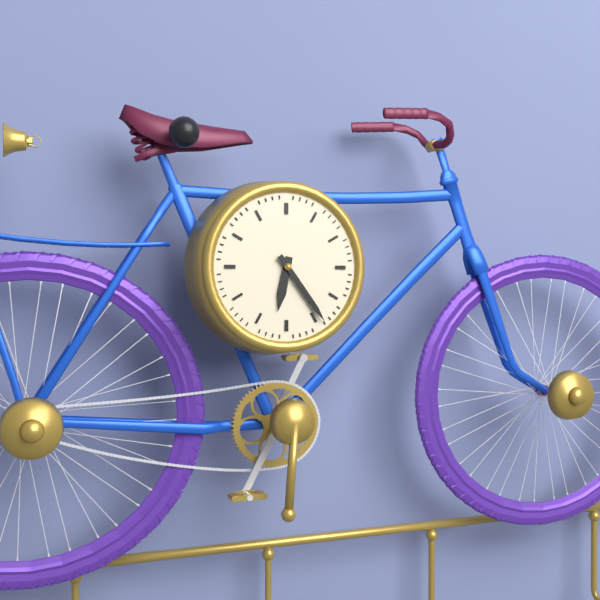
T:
6:24
